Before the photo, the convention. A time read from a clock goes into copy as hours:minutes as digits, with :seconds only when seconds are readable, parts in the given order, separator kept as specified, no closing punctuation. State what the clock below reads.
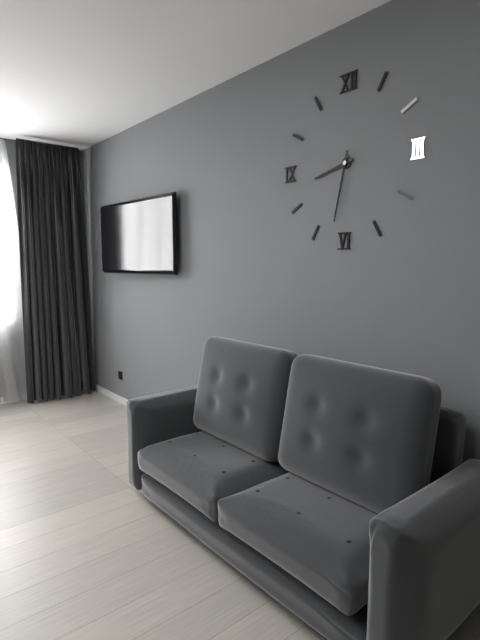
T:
8:32
